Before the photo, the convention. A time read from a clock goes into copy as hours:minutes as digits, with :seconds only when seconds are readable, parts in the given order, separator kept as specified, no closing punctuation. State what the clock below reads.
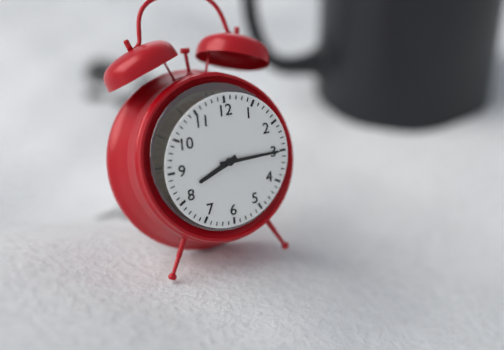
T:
8:15
